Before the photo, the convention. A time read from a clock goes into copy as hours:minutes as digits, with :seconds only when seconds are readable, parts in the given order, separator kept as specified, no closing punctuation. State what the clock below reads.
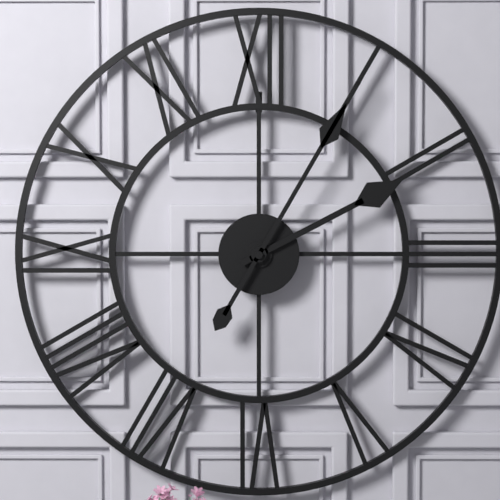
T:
2:05
